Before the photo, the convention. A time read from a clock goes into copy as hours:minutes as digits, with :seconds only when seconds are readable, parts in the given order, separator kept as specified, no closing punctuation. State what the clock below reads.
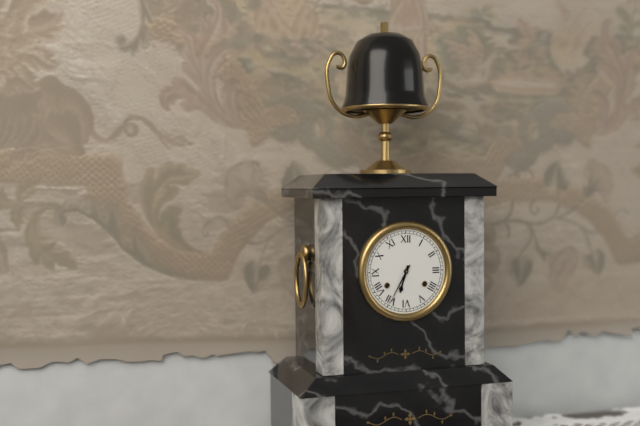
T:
6:35
